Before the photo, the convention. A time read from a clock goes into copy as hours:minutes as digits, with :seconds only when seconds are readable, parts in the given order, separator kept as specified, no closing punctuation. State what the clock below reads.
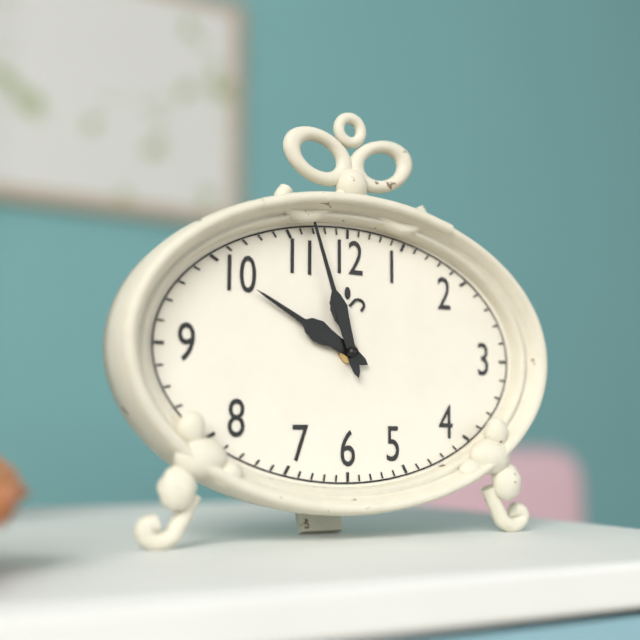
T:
9:57
